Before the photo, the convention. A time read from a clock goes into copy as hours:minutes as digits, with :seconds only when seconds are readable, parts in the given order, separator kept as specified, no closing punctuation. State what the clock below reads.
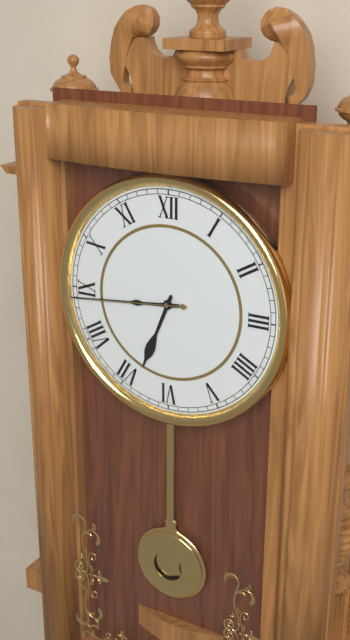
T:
6:44:44
